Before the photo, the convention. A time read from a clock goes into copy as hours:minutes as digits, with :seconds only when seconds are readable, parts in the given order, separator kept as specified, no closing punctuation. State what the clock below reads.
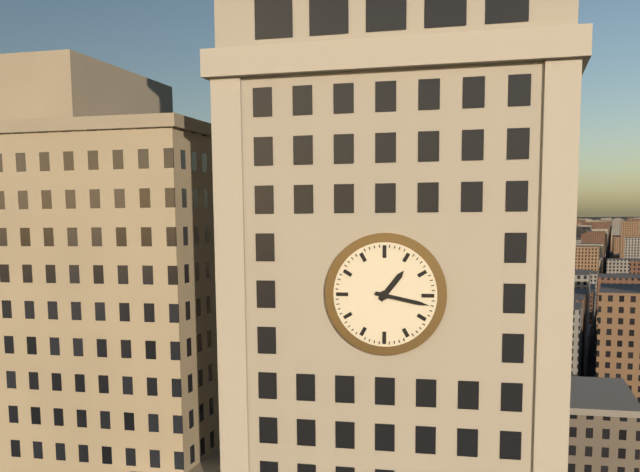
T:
1:17
